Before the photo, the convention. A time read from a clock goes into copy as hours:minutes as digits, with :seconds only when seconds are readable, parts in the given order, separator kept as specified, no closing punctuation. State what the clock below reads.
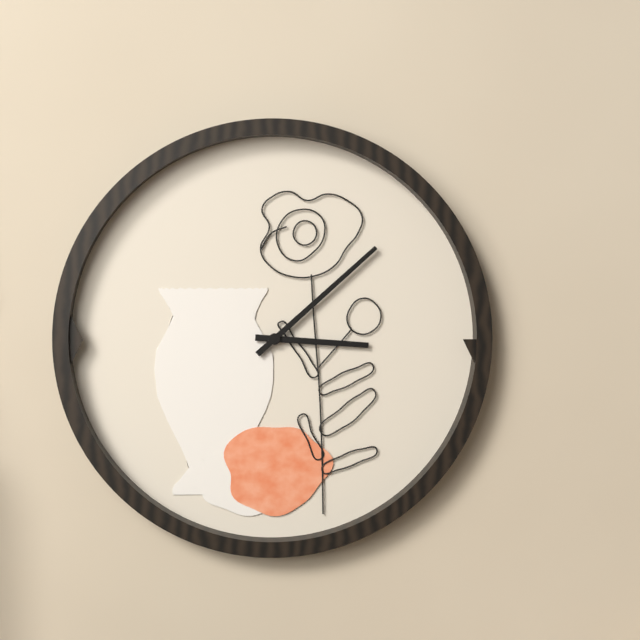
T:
3:08
